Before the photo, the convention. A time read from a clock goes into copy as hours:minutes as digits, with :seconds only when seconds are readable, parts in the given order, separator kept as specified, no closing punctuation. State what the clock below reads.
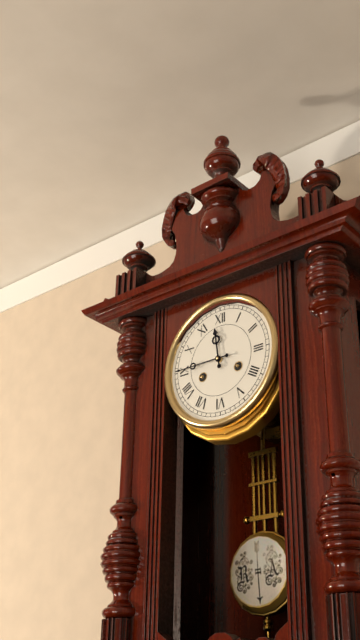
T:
11:45
